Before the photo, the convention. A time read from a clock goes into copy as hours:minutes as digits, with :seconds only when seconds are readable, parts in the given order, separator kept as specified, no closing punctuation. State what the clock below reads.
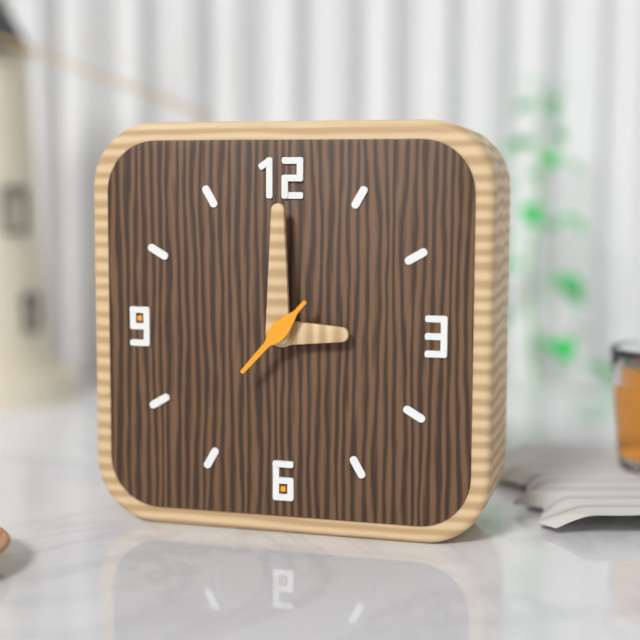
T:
3:00:37
